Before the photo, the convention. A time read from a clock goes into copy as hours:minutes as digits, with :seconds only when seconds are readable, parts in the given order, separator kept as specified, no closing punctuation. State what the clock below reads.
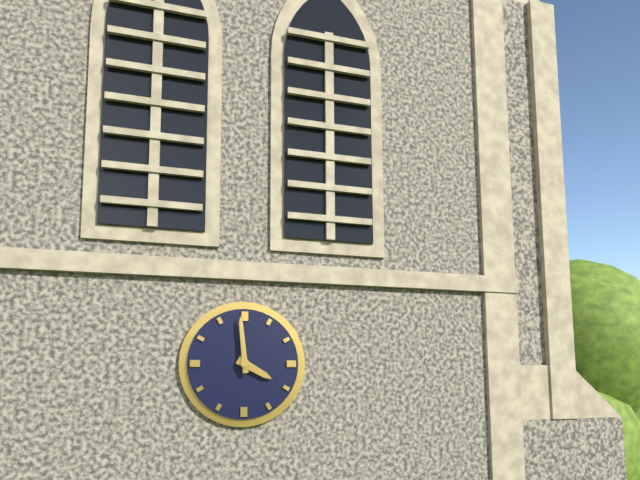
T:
3:59
